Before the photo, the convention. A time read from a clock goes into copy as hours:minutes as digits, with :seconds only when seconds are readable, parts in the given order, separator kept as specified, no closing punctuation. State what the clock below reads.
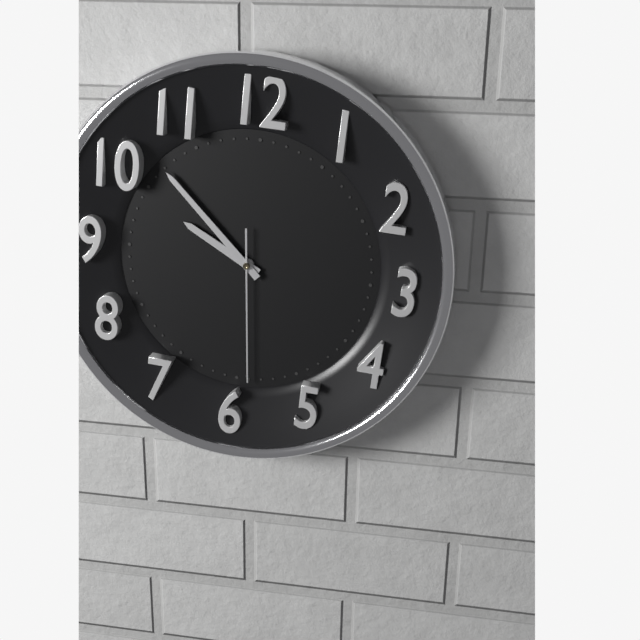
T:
9:52:29
